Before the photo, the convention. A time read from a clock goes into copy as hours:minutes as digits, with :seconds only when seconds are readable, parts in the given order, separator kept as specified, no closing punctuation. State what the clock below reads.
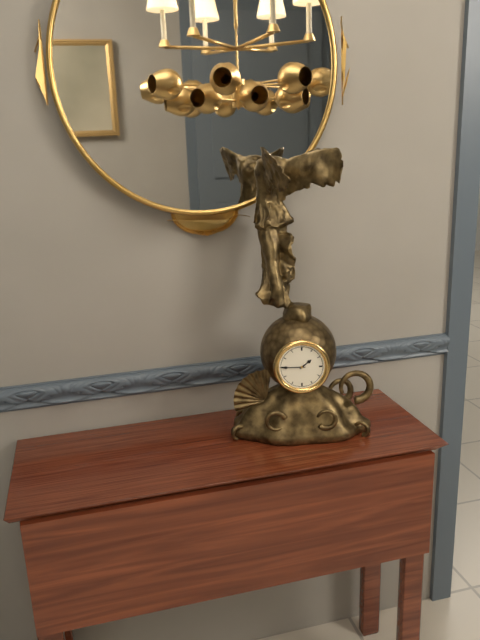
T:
1:45
